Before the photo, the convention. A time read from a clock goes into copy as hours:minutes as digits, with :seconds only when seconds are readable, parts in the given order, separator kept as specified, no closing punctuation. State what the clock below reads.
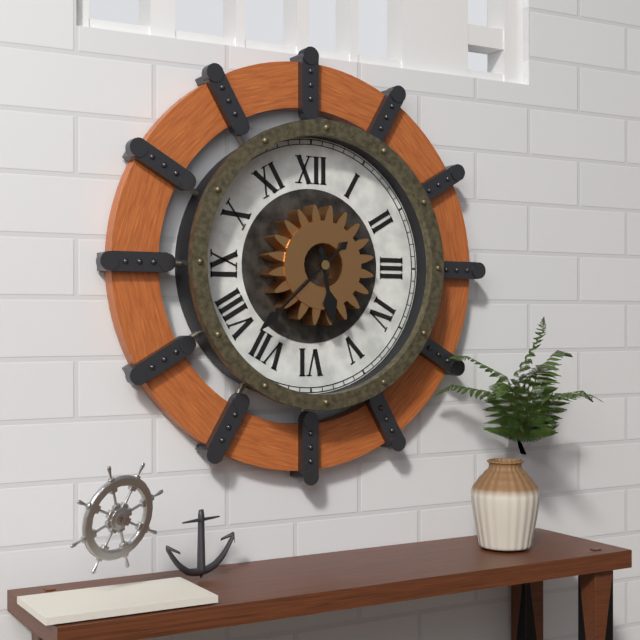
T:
5:38
